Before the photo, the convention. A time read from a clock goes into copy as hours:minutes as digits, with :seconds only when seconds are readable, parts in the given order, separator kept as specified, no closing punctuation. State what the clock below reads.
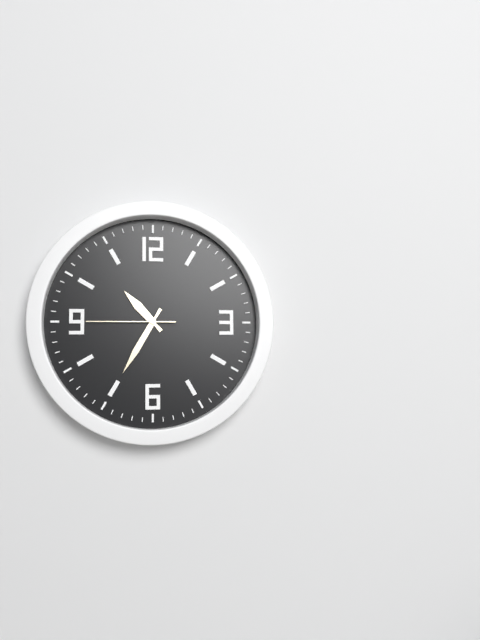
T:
10:35:45
